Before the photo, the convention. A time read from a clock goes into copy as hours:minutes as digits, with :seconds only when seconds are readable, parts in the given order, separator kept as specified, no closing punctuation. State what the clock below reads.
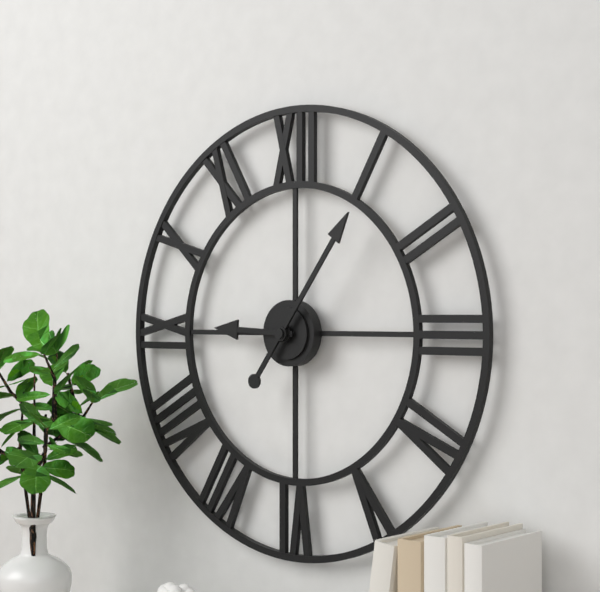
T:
9:06
